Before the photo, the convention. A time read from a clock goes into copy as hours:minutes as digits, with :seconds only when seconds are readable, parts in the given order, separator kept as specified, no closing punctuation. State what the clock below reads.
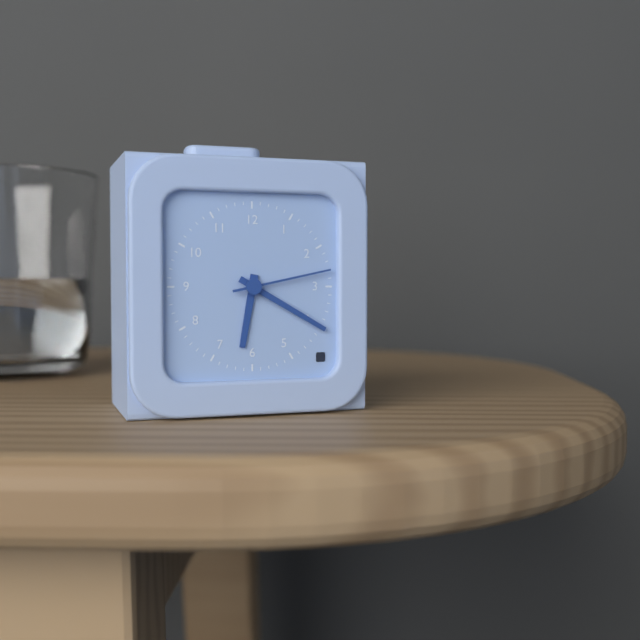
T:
6:20:13
